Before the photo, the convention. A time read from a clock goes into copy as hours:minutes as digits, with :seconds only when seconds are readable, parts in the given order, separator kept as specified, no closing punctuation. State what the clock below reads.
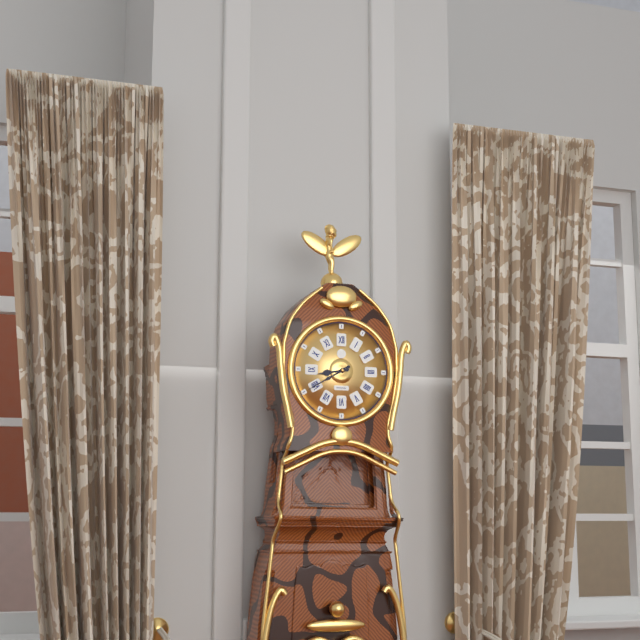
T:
8:40
